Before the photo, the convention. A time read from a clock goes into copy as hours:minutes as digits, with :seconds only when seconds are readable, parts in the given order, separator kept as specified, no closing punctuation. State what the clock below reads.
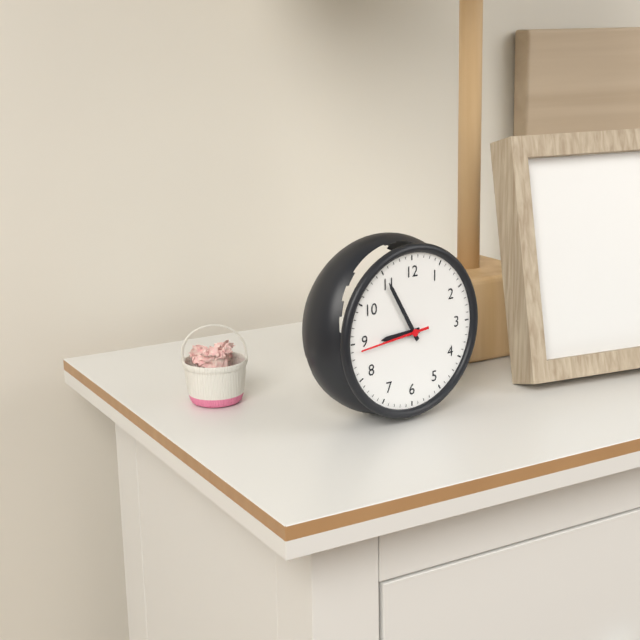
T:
8:55:44
